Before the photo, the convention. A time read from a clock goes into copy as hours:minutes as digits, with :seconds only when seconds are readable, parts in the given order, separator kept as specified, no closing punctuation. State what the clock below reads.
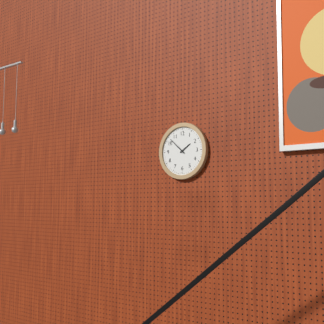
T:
1:52
